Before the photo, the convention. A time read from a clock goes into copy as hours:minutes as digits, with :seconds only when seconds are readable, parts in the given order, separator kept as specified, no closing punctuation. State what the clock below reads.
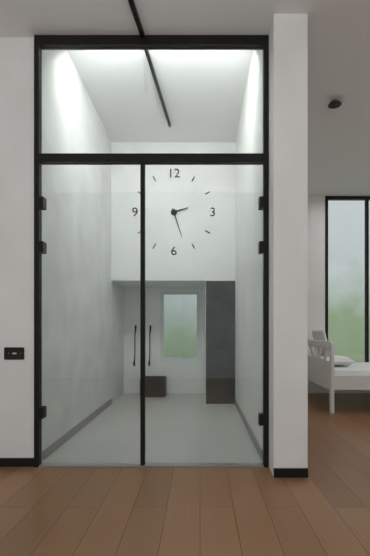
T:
2:27
